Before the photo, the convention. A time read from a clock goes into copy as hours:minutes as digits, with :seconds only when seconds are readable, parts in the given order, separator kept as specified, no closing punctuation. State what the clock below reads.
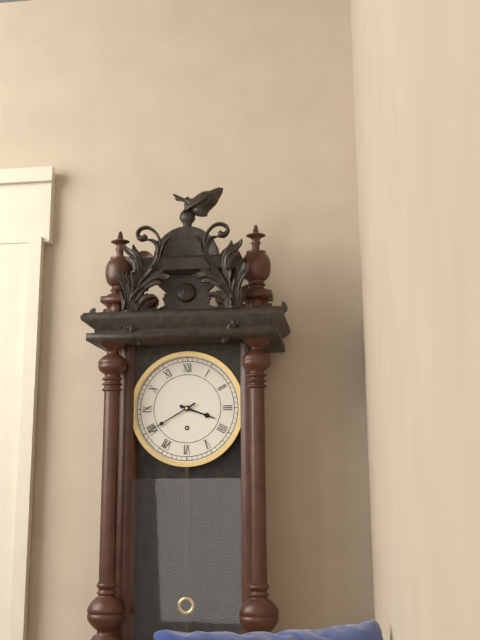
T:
3:40
